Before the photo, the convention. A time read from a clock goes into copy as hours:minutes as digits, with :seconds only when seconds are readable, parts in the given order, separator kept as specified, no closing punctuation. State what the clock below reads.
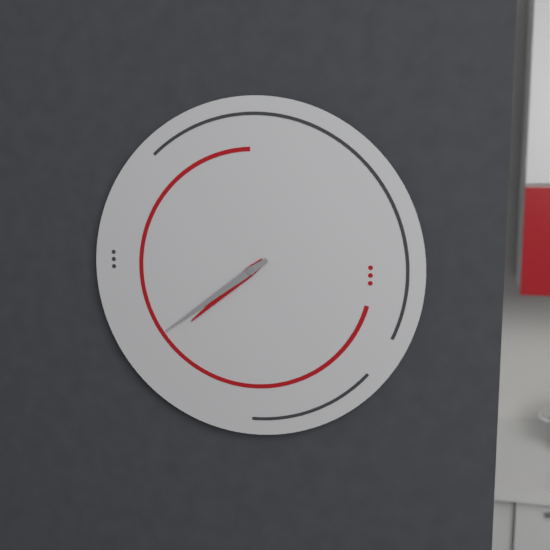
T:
7:39
